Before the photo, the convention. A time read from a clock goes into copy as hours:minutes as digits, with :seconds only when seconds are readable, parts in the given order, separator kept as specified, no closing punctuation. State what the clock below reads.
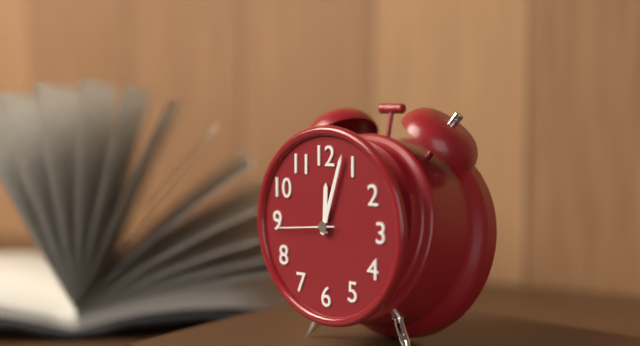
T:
12:03:44
